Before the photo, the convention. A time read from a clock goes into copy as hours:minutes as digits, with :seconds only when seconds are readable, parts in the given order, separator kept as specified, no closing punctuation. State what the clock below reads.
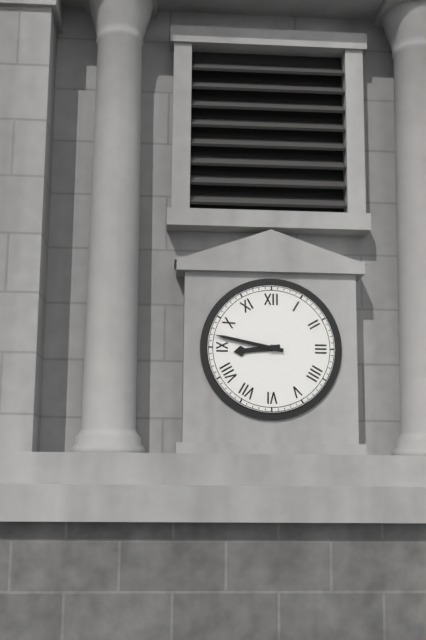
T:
8:47
